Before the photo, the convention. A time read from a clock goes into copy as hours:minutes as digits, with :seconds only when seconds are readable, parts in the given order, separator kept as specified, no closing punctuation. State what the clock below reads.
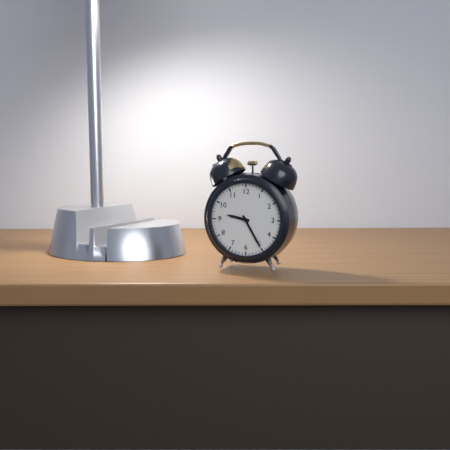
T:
9:25
